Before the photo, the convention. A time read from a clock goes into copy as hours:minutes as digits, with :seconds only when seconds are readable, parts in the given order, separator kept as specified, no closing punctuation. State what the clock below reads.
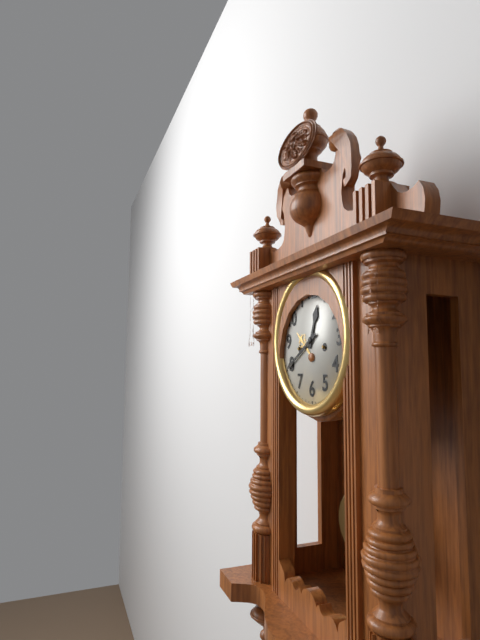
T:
12:40
